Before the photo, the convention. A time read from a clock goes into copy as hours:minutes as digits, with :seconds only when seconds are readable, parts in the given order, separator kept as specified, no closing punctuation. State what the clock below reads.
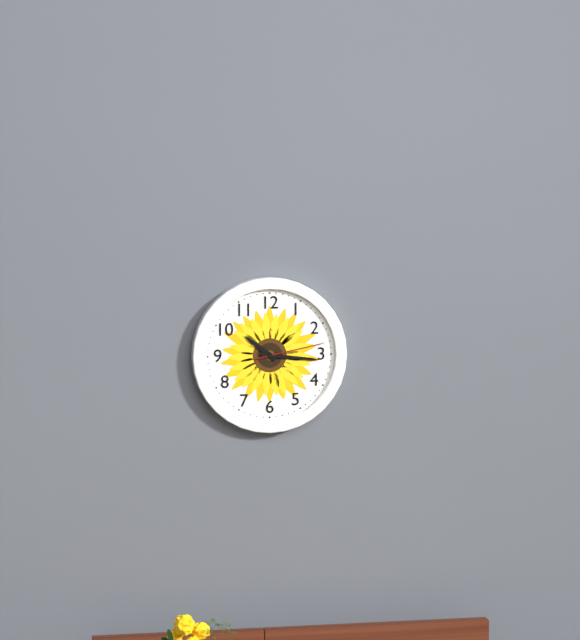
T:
10:16:13
